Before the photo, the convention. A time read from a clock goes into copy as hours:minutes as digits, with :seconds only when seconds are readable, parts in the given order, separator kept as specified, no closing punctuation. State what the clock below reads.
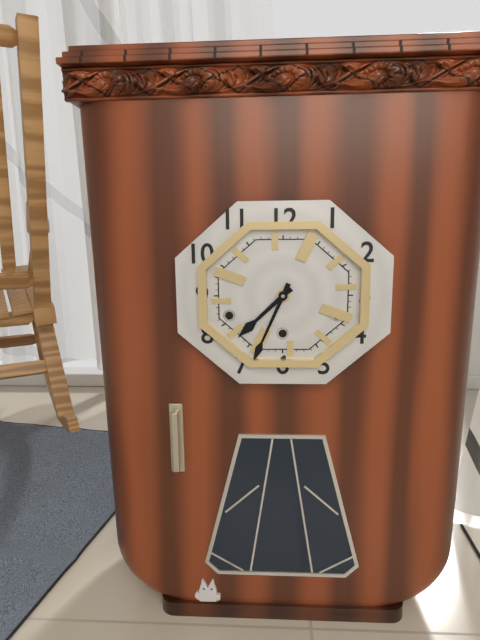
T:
7:34
